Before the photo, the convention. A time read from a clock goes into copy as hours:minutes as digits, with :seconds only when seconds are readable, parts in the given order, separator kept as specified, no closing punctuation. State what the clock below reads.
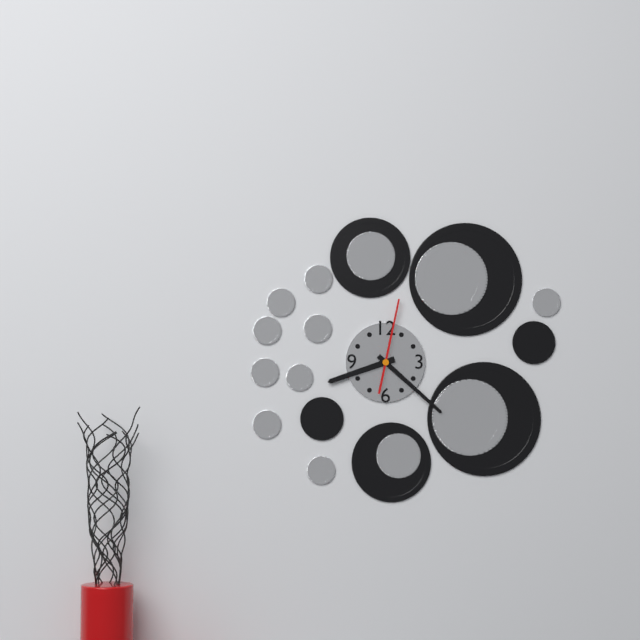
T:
8:22:02
